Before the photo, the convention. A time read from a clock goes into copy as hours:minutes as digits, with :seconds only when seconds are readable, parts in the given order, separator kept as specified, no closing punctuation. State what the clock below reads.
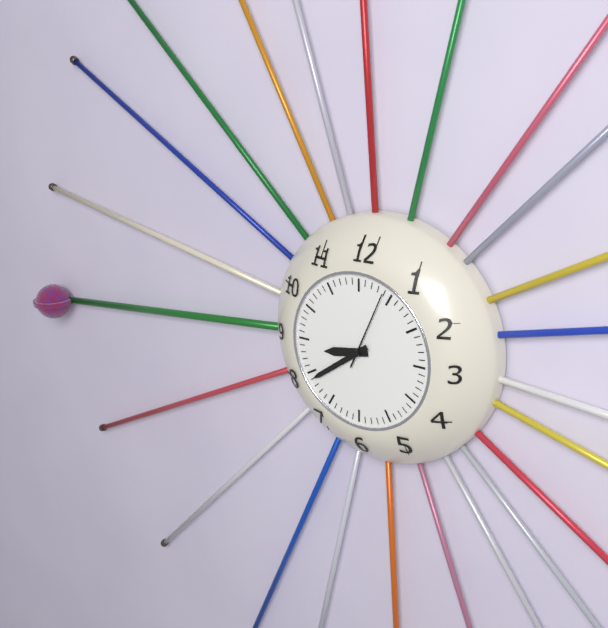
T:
8:39:04
